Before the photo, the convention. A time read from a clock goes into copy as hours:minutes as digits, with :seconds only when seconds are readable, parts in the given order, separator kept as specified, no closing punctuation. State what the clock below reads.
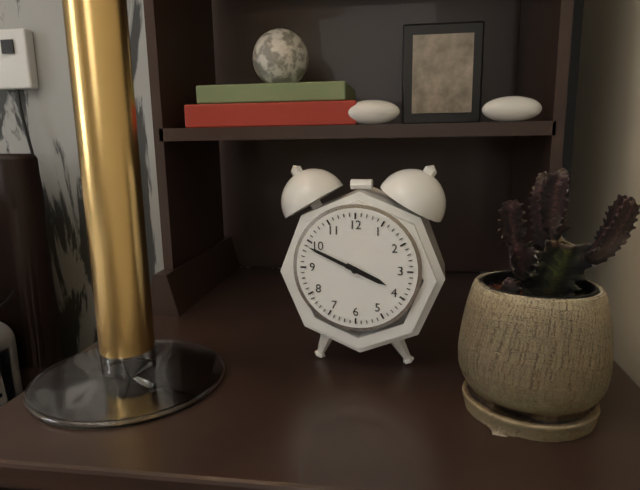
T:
3:49
